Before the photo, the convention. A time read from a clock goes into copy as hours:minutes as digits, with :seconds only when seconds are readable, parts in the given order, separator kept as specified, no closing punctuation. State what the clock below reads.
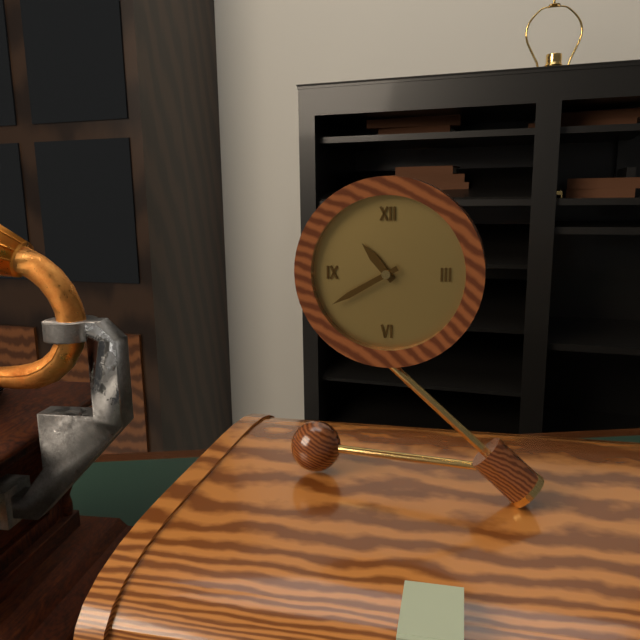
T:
10:40
